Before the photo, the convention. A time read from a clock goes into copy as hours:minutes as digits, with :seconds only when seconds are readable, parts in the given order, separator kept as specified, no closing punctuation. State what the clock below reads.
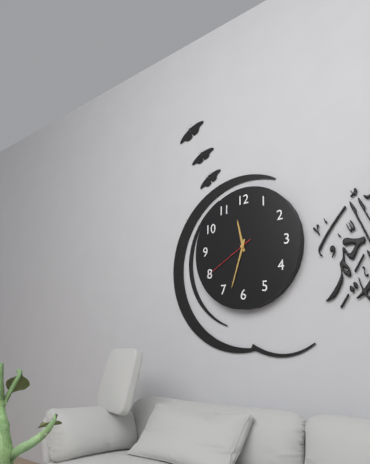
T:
11:33:40
